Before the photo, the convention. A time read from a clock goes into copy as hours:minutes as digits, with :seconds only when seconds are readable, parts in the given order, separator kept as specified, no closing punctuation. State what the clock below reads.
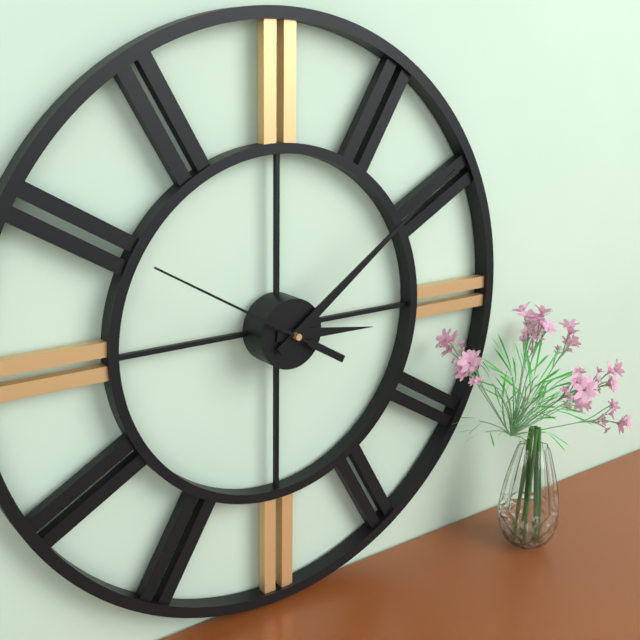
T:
3:09:50
